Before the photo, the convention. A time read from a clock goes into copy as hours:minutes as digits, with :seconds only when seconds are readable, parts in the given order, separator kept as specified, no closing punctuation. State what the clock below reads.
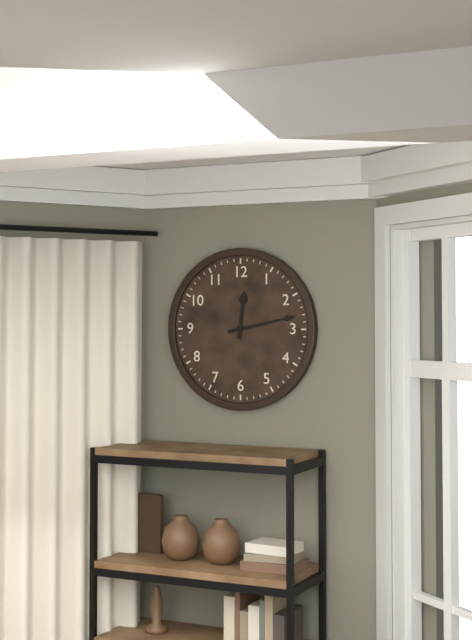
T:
12:13
